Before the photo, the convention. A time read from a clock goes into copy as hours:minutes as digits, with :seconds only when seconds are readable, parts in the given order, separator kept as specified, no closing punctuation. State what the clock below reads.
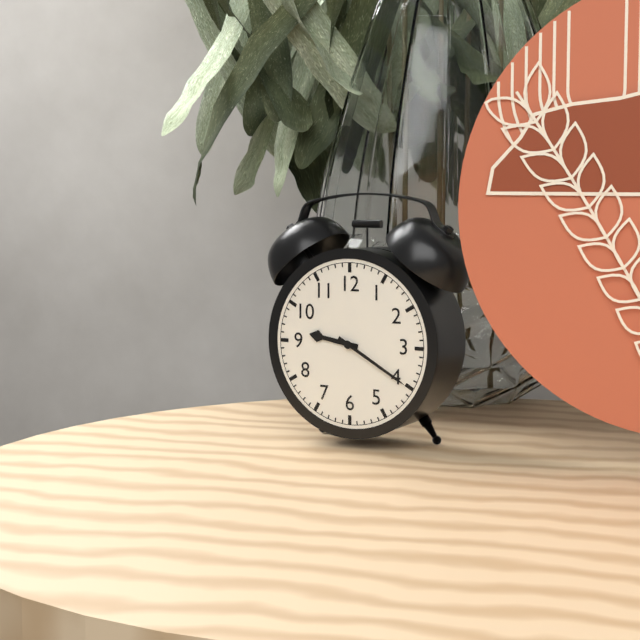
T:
9:20
